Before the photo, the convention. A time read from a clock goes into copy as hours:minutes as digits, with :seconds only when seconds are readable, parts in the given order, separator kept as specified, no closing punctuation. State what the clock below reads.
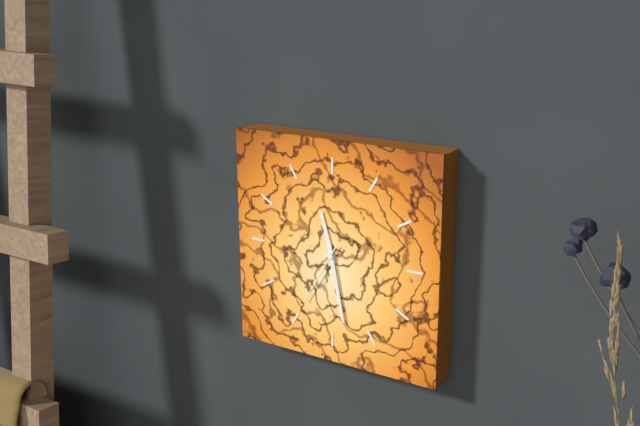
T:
11:28:35
